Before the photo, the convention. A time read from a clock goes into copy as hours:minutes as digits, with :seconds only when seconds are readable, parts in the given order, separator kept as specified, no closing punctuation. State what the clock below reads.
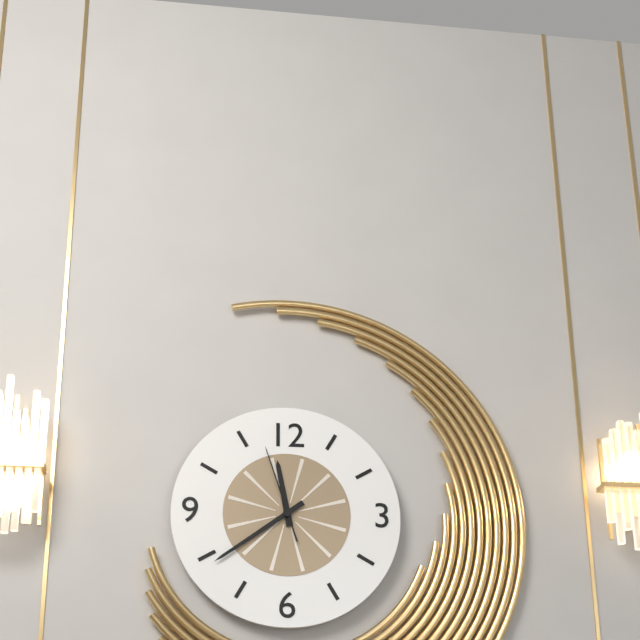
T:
11:39:57
